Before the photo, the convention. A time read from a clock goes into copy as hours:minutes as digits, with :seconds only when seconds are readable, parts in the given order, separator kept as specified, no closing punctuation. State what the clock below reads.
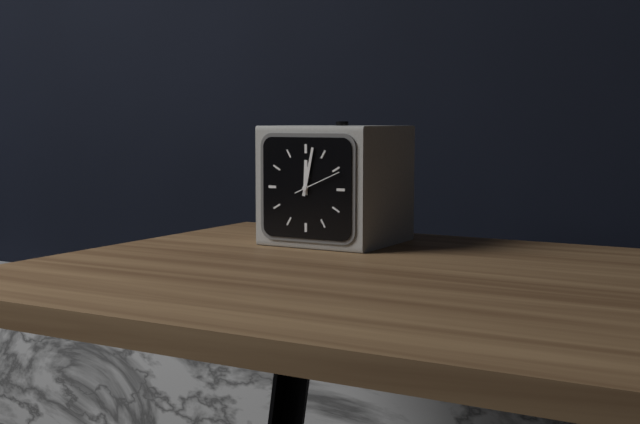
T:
12:02
